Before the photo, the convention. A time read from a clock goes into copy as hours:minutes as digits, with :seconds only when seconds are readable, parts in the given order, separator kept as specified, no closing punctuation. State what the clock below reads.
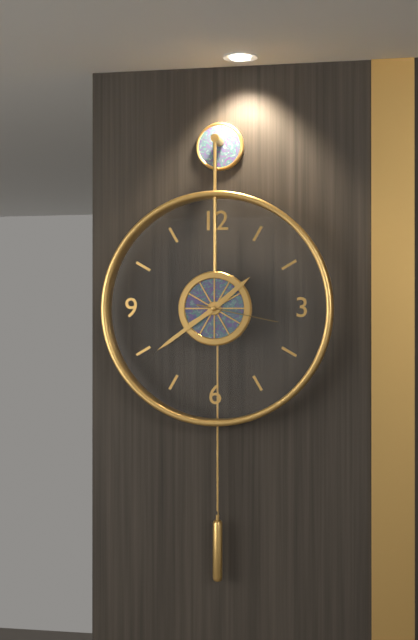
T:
1:39:17
